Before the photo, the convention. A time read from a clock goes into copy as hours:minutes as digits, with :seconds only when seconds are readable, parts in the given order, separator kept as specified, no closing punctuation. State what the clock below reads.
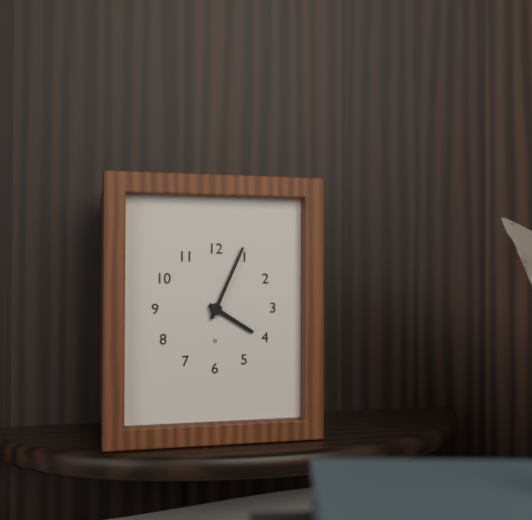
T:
4:04
